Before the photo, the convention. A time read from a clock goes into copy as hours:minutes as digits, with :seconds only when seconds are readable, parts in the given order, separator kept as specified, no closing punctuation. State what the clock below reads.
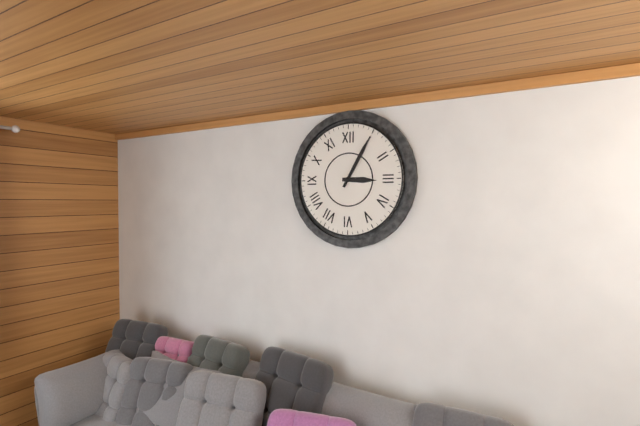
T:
3:05
